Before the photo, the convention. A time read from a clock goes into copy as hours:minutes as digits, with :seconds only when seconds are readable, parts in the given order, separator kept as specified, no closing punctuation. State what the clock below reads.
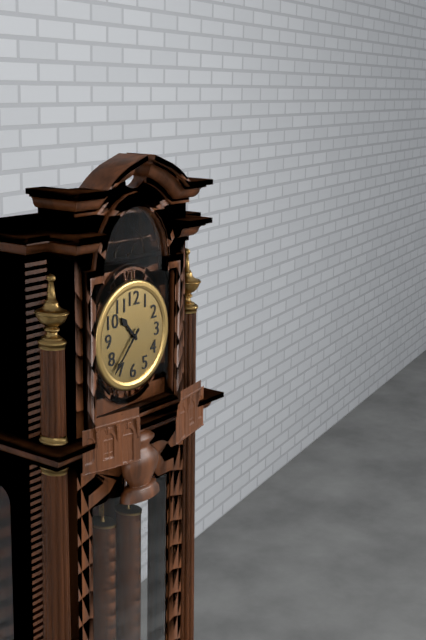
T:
10:37
